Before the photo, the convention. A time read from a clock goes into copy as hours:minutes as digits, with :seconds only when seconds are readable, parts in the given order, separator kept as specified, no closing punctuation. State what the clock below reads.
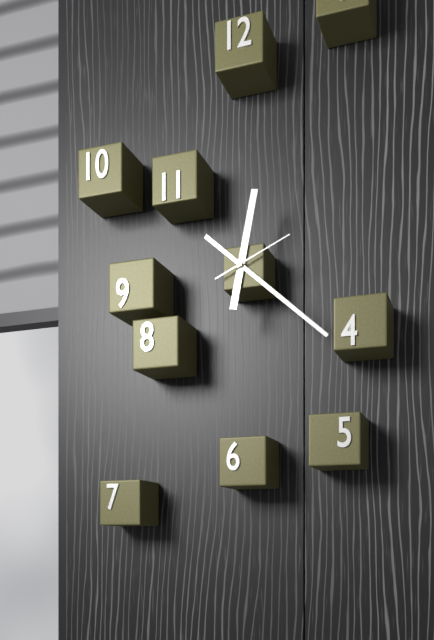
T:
12:22:11
